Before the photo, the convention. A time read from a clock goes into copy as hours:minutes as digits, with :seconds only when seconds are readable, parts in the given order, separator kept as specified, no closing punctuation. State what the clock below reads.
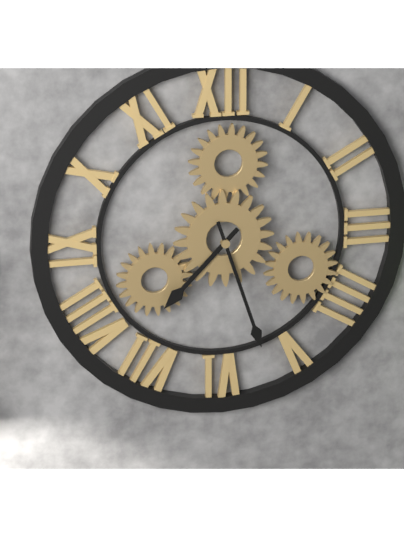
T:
7:27
